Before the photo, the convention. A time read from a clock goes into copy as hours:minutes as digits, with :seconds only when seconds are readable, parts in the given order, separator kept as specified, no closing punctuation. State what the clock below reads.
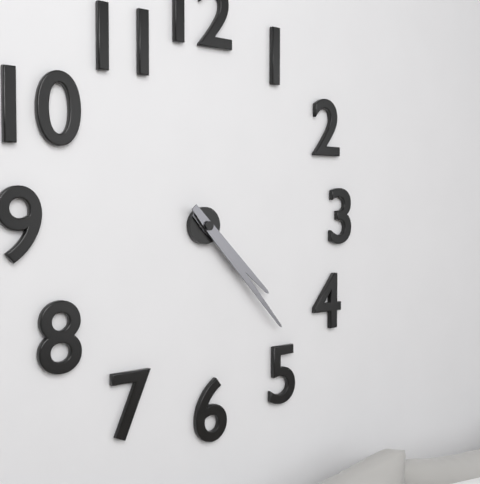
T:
4:23
